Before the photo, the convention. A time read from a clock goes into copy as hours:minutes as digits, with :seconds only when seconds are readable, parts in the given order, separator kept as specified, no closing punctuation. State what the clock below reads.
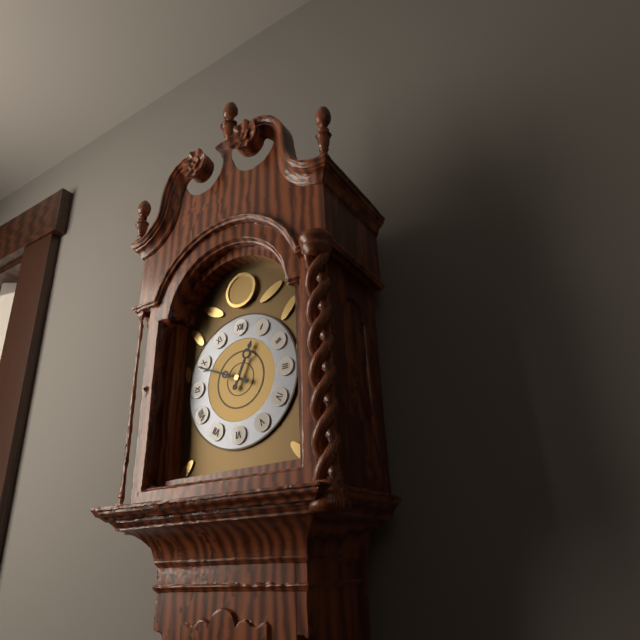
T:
12:49
